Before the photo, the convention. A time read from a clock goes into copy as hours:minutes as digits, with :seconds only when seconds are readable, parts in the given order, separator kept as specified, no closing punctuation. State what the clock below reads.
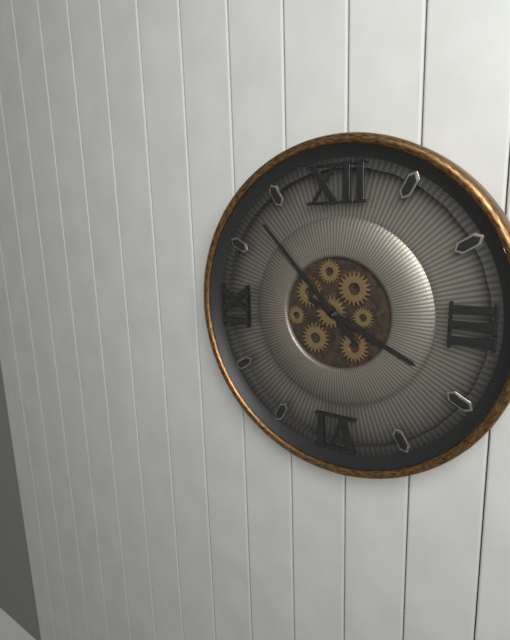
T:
3:53
